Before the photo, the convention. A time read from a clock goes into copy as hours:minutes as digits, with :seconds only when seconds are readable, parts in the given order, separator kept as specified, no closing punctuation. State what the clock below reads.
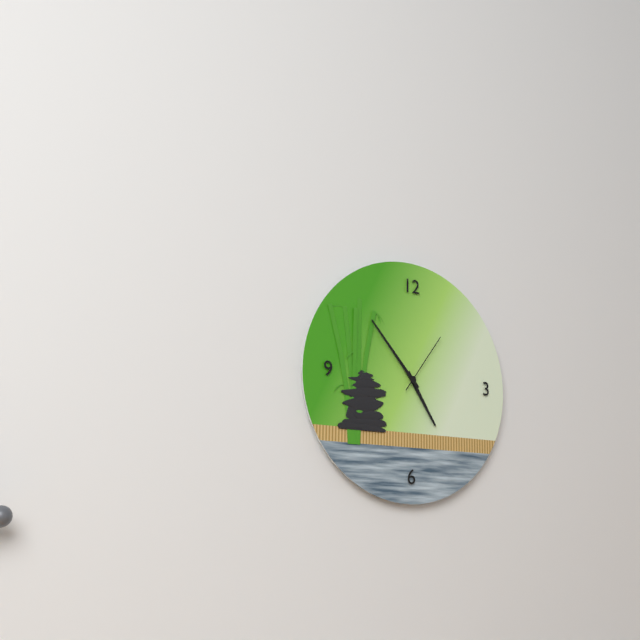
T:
4:53:06
